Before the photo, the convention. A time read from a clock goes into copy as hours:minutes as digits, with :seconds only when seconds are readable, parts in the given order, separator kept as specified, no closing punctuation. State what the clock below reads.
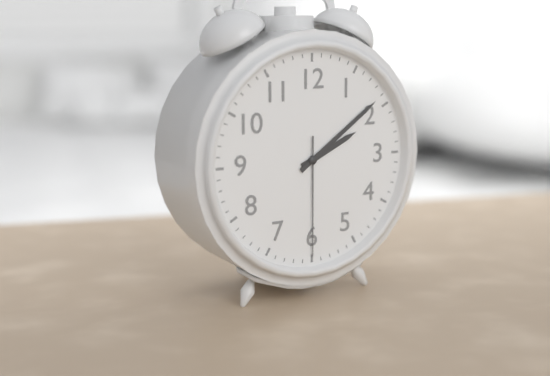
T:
2:09:30
